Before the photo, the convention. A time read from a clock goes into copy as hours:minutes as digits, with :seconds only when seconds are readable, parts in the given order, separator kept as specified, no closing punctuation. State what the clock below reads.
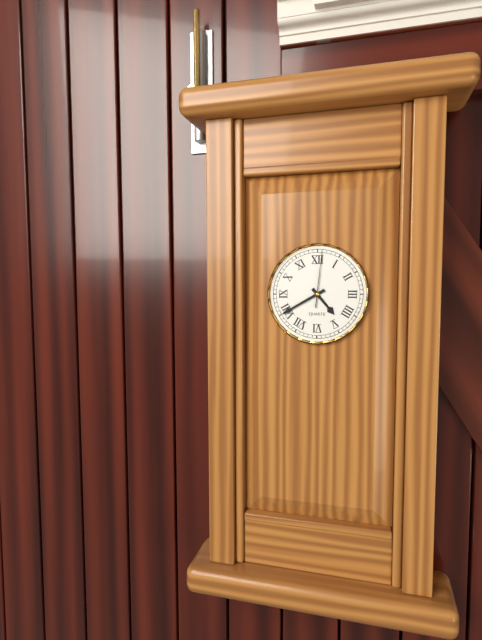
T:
4:40:01
